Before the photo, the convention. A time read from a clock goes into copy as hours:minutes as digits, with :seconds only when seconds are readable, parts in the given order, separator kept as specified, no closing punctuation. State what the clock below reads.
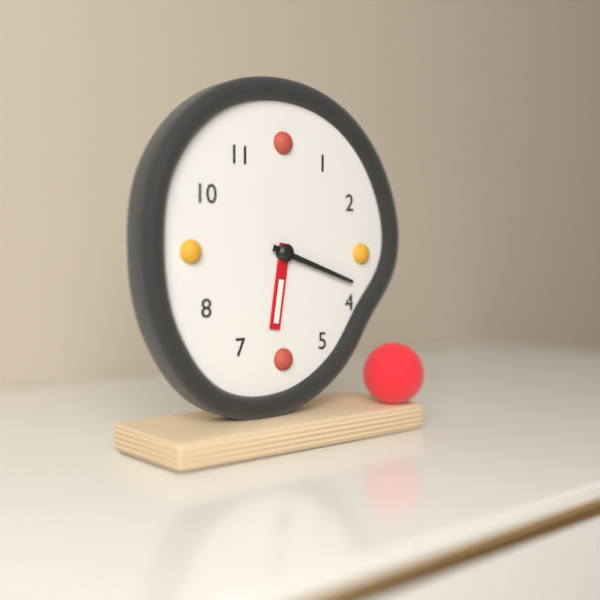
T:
6:18
